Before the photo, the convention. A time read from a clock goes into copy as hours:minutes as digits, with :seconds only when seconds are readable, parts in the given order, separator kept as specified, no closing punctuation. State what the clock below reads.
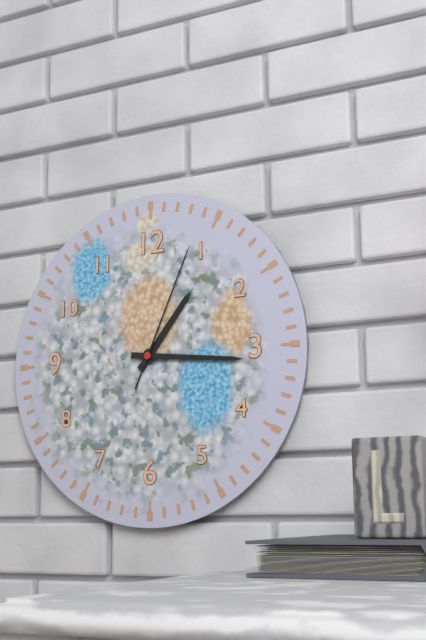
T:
1:16:04
